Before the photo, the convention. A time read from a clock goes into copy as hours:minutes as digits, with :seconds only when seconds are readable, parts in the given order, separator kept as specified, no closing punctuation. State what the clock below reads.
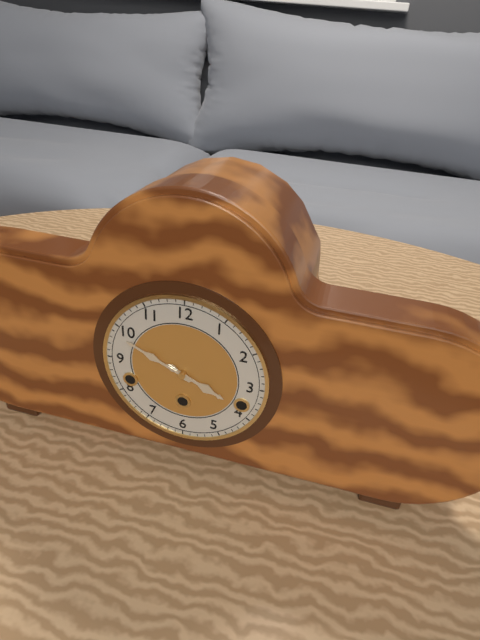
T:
3:49
